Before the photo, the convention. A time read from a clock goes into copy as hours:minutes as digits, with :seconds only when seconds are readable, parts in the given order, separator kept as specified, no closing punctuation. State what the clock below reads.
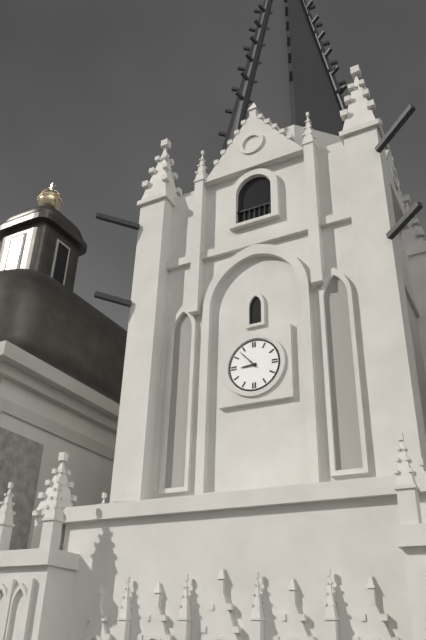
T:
8:53
